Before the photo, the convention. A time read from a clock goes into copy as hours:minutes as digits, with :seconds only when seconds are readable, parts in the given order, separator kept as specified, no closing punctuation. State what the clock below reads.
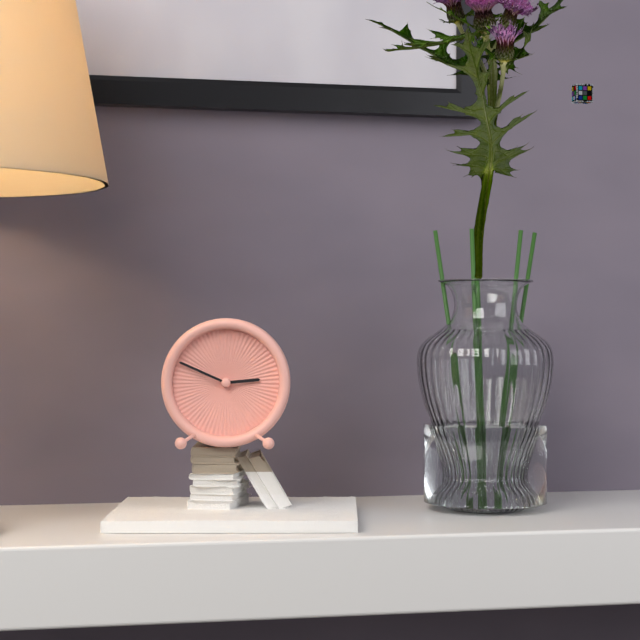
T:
2:49
